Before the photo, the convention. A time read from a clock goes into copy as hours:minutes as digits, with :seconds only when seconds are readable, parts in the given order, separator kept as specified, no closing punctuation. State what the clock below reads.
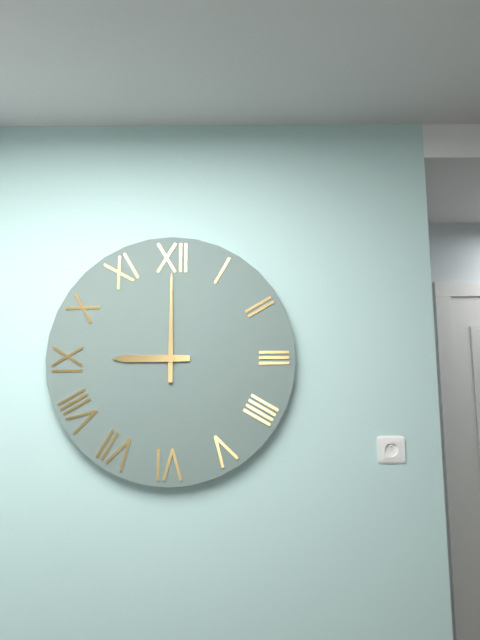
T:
9:00
